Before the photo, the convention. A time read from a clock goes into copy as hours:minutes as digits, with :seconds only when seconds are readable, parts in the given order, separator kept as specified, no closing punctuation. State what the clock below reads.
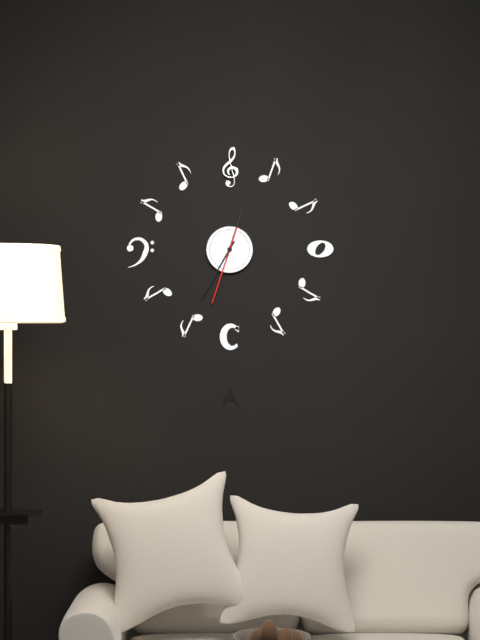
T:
12:35:33
